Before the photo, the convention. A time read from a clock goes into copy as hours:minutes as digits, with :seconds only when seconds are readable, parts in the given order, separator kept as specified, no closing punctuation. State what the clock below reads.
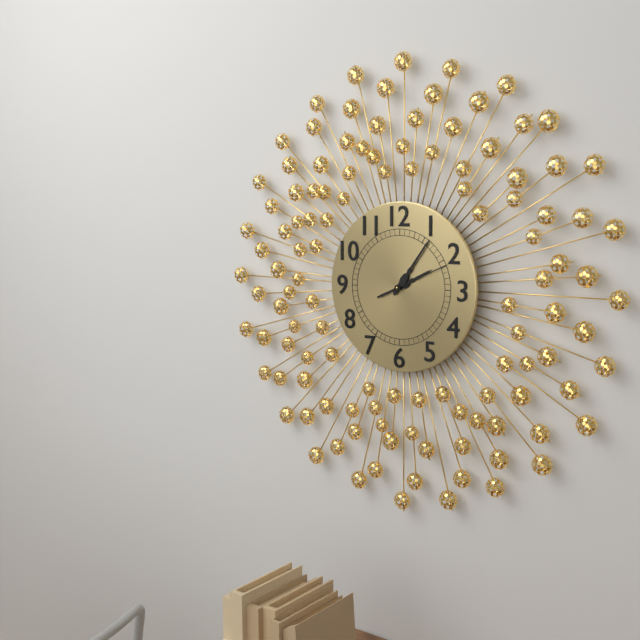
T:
2:06:11
